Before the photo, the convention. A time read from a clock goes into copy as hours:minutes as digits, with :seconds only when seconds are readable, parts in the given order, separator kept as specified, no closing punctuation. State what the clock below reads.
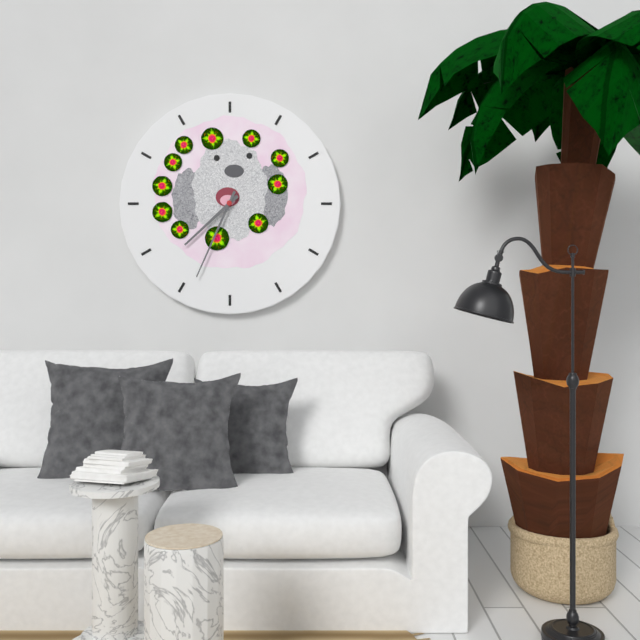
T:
7:34
